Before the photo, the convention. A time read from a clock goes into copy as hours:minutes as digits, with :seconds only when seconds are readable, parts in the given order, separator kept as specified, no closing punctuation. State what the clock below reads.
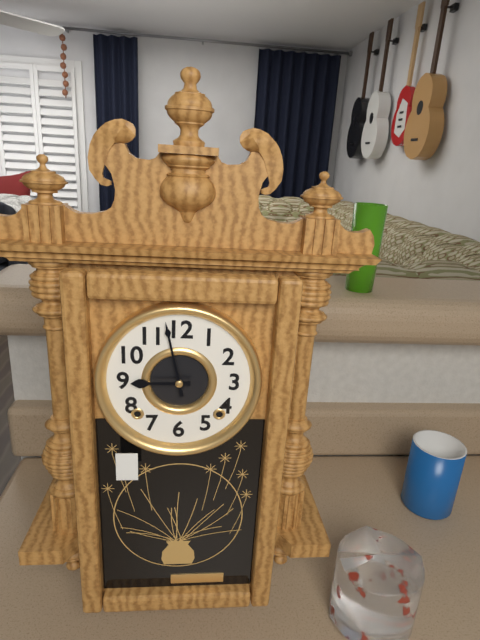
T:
8:58
